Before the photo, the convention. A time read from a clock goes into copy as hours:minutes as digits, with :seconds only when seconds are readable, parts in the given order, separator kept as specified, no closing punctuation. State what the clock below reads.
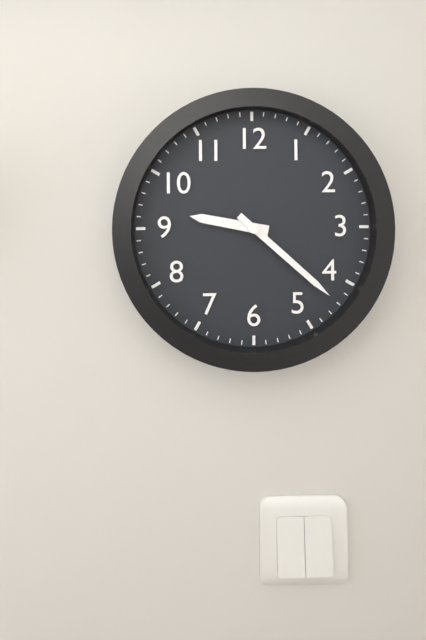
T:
9:22
